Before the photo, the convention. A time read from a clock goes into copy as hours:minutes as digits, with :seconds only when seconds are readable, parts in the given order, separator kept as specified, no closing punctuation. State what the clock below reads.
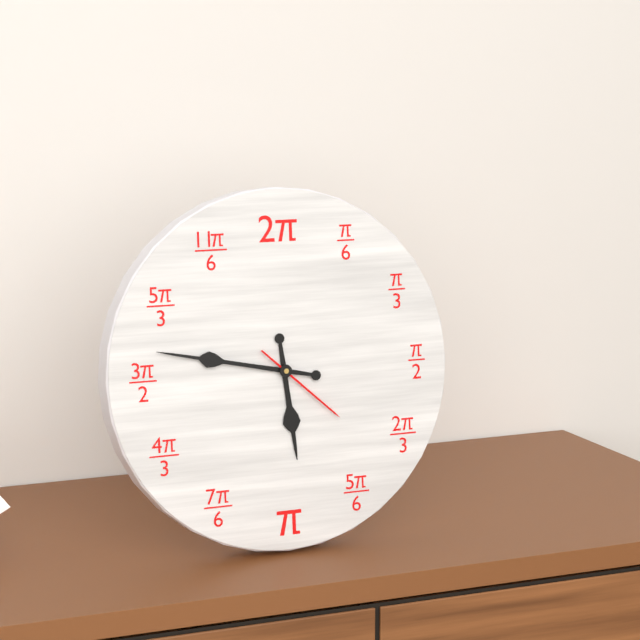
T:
5:47:22
